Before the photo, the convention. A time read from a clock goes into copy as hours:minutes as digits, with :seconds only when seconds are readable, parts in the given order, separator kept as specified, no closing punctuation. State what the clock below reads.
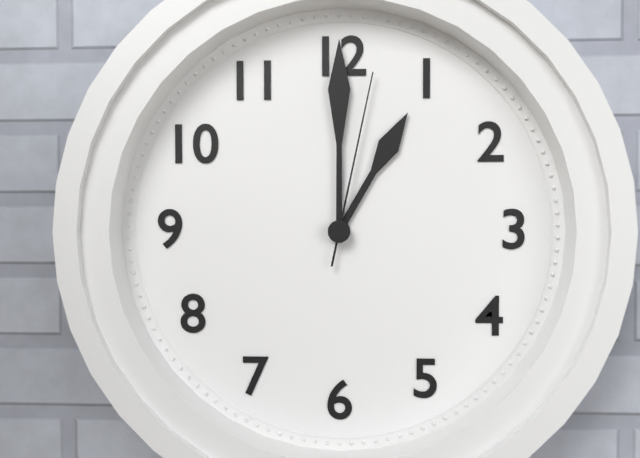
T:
1:00:02
